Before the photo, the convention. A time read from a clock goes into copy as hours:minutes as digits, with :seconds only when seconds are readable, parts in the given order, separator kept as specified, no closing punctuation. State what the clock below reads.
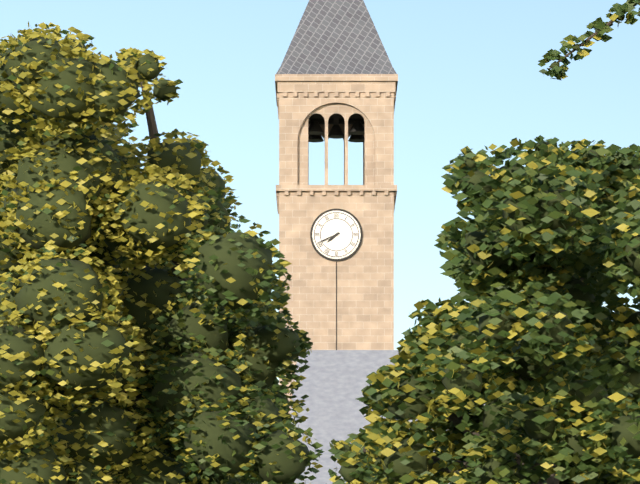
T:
7:41
